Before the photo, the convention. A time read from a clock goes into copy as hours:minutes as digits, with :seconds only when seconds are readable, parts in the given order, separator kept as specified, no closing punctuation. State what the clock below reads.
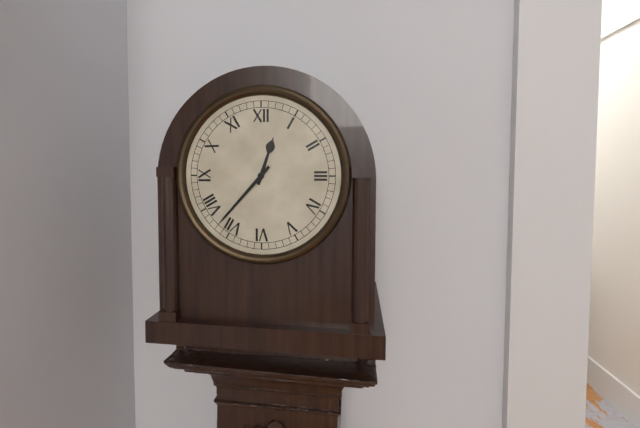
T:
12:37
